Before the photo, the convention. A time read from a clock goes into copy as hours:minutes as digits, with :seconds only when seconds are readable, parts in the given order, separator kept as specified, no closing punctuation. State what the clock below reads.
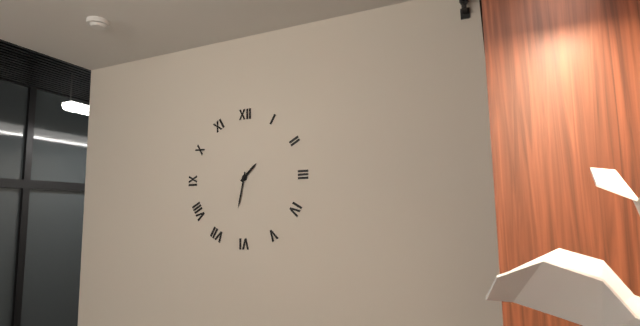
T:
1:32
